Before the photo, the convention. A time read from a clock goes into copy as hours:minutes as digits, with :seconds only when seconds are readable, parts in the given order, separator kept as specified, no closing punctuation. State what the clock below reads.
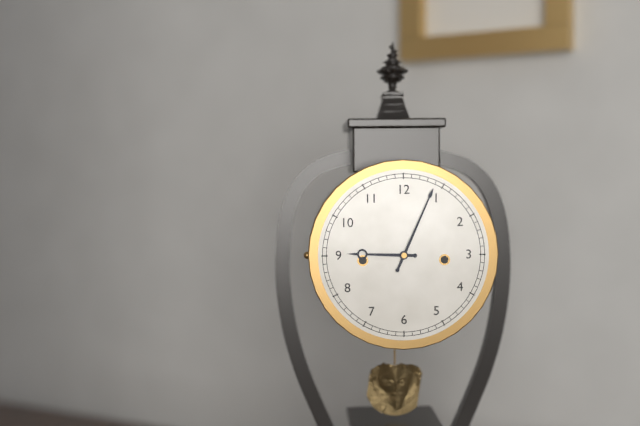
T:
9:04
